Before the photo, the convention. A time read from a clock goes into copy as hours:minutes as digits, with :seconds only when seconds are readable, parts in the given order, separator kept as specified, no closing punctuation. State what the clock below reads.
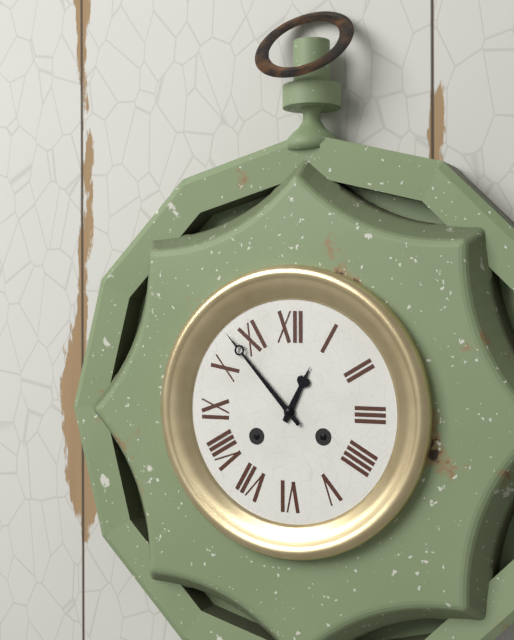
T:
12:53
